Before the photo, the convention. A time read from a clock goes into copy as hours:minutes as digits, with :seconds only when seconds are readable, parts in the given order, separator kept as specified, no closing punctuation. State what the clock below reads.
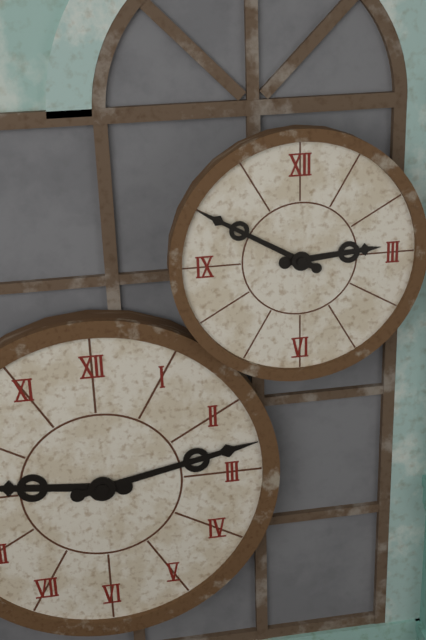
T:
2:50
